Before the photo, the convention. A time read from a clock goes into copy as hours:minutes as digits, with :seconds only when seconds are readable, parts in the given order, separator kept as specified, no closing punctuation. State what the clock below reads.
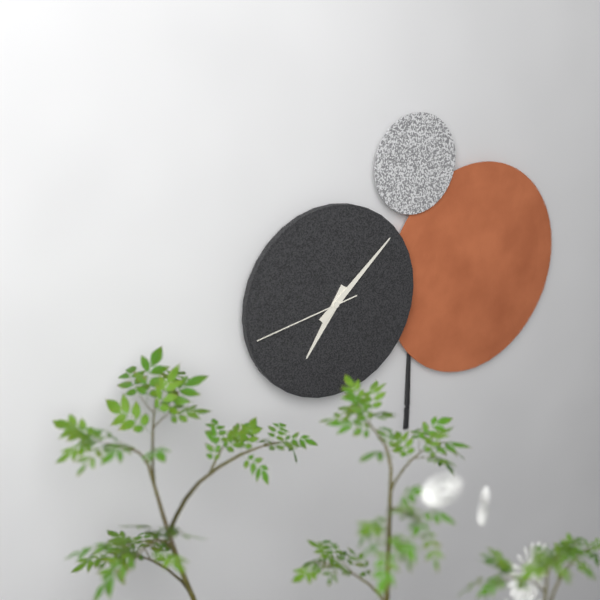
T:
7:08:43
